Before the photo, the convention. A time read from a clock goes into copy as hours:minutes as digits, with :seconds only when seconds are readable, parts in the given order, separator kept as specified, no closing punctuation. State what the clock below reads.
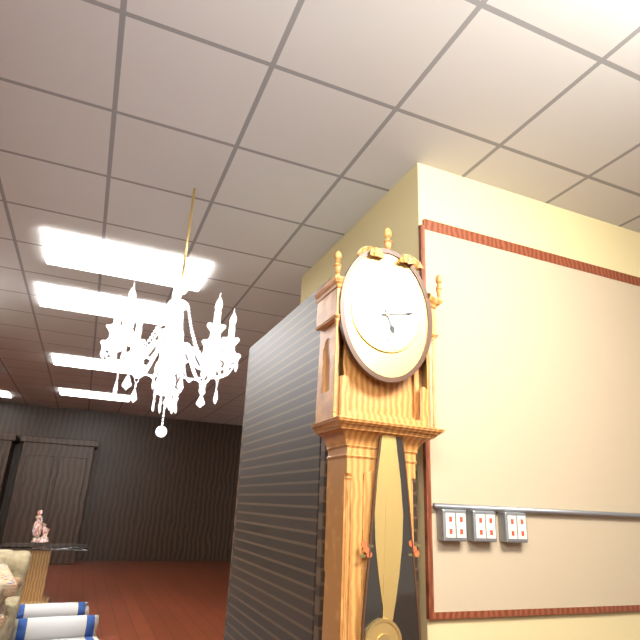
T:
5:13
